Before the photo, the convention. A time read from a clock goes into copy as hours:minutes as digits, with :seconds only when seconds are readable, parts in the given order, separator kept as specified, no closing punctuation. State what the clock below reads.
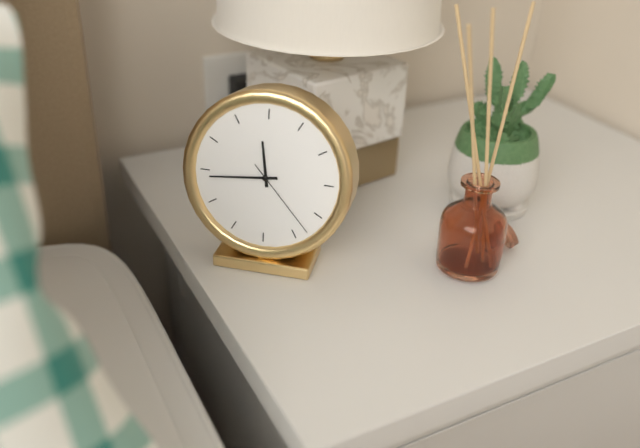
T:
11:44:23
